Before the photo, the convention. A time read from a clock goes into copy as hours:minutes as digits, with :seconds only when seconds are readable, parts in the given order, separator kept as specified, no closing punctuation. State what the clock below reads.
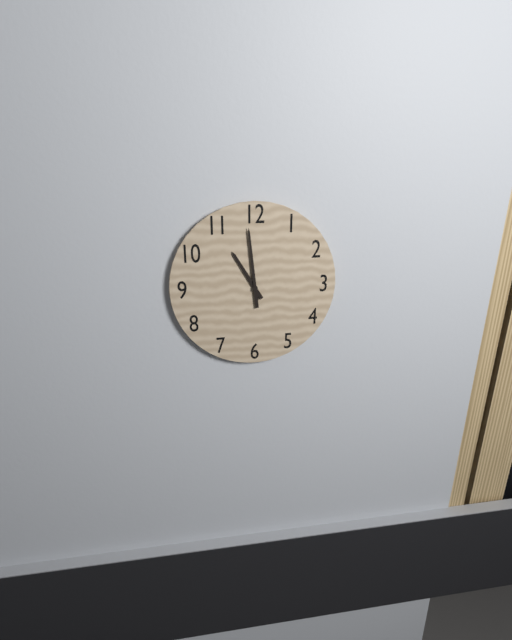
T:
10:59
